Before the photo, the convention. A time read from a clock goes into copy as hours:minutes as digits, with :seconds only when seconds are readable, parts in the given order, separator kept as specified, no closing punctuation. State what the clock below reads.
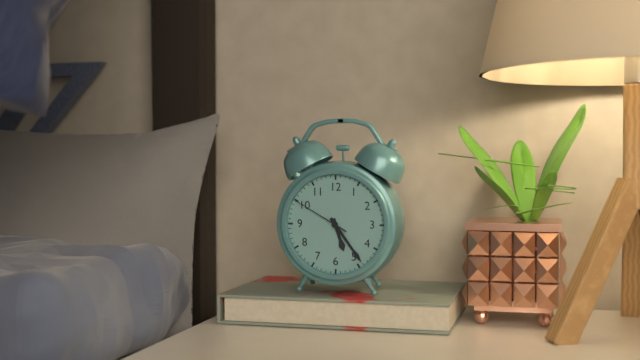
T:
5:24:50
